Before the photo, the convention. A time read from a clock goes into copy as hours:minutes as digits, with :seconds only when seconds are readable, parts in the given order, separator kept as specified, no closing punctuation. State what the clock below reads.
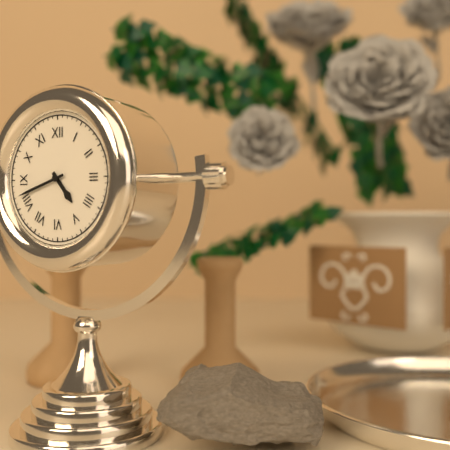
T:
4:42
